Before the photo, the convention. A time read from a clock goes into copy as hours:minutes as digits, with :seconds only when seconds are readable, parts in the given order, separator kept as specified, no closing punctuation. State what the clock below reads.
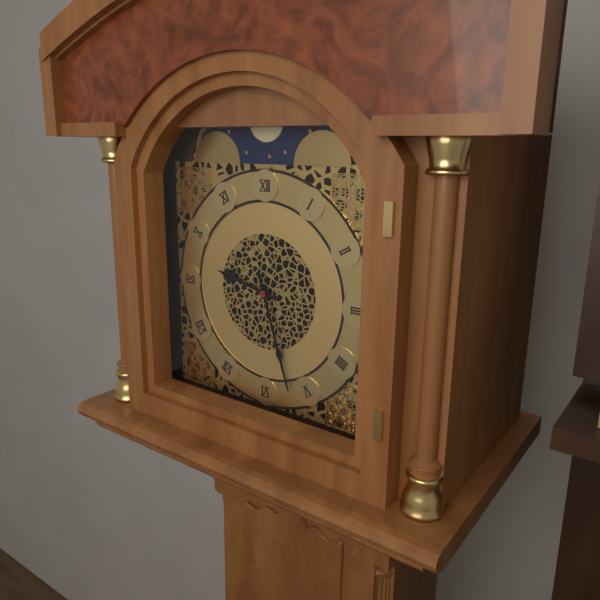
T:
9:27
